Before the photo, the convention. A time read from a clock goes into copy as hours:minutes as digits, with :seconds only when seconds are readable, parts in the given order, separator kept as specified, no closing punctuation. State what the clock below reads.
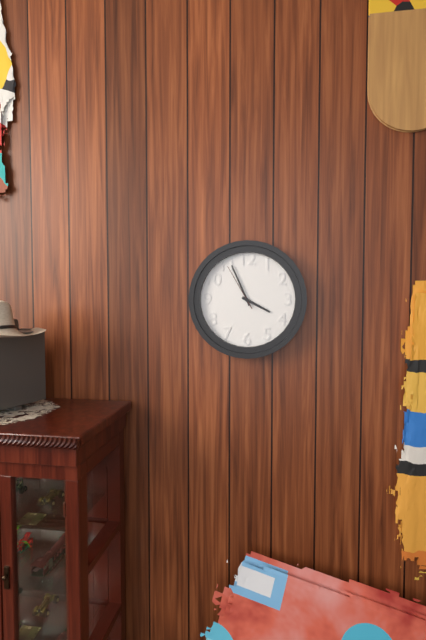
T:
3:56
